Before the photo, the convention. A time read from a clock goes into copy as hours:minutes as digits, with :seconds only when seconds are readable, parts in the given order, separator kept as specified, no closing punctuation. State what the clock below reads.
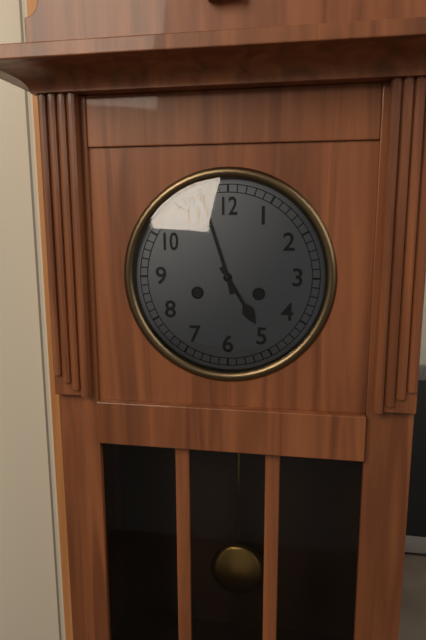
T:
4:57
